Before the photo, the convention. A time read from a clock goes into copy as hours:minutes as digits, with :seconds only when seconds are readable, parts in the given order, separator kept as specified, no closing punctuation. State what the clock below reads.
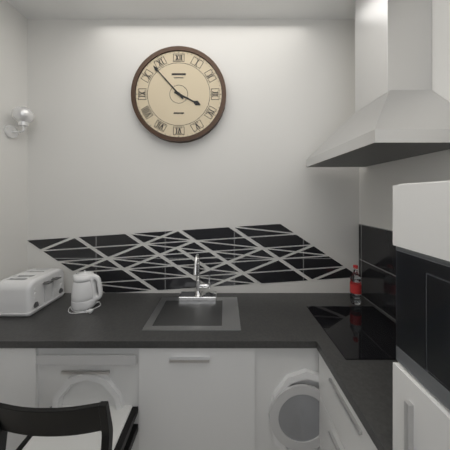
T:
3:53
